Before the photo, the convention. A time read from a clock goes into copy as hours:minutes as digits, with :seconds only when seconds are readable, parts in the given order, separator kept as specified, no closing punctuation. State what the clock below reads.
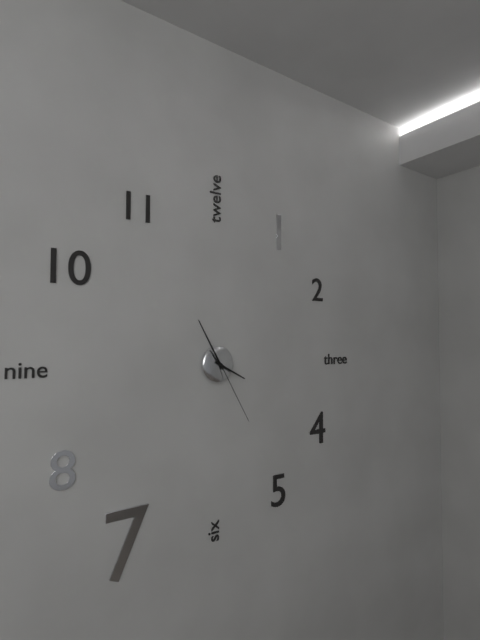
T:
3:55:25
